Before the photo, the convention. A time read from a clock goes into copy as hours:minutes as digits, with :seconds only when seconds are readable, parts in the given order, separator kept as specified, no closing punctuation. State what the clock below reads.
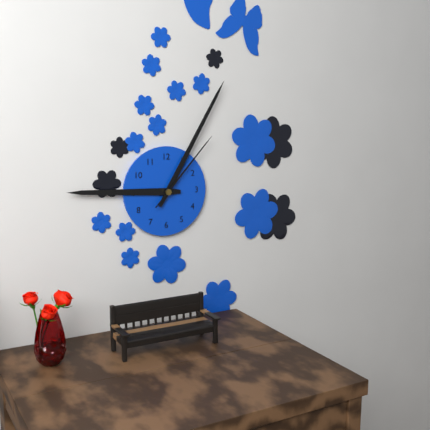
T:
9:05:07
